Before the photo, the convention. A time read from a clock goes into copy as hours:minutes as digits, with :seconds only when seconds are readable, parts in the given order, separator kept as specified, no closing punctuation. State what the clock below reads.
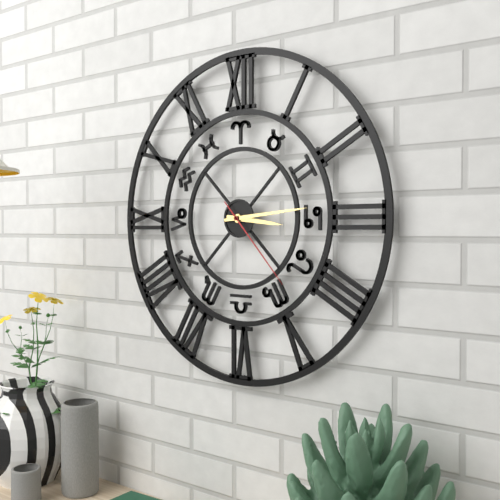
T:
3:14:23
